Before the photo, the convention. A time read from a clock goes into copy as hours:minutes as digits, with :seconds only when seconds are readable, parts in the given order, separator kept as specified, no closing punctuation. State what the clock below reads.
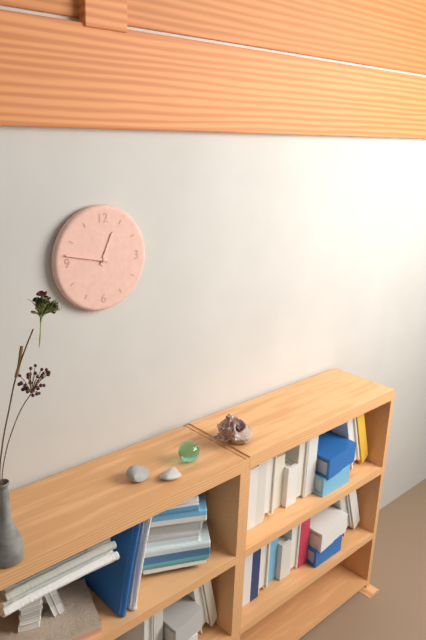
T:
12:47
